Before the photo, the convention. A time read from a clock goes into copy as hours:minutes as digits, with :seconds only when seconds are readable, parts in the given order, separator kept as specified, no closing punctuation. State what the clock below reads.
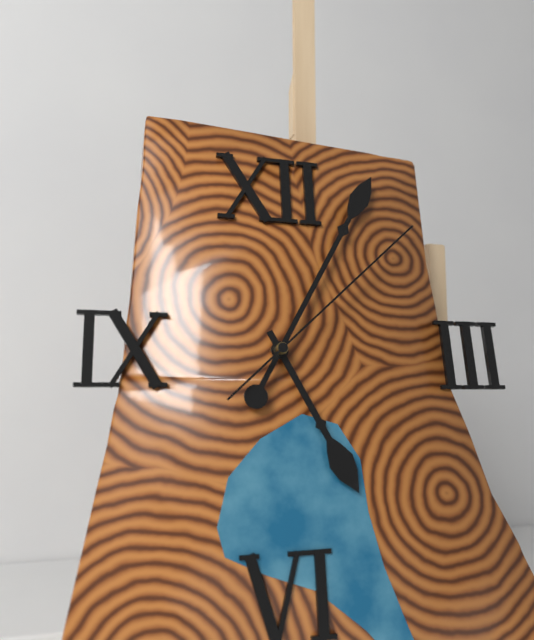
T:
5:05:08
